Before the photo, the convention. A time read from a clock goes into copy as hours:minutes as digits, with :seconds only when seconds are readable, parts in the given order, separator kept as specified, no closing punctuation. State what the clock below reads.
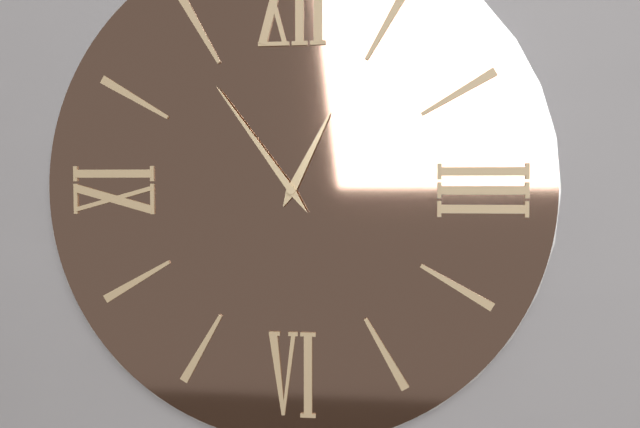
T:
12:54
